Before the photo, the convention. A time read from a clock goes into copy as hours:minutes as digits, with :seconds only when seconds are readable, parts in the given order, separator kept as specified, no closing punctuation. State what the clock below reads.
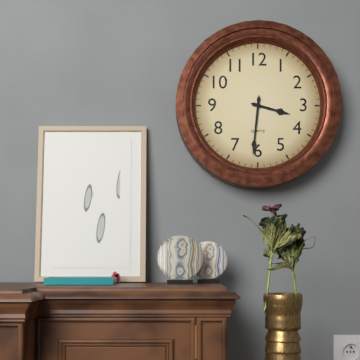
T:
3:31
